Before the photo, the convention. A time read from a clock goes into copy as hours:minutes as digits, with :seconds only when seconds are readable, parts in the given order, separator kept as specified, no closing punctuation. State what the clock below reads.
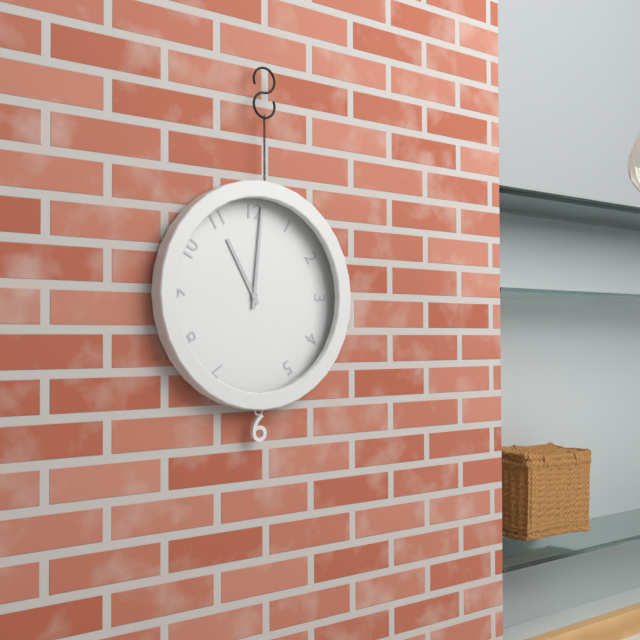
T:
11:01
